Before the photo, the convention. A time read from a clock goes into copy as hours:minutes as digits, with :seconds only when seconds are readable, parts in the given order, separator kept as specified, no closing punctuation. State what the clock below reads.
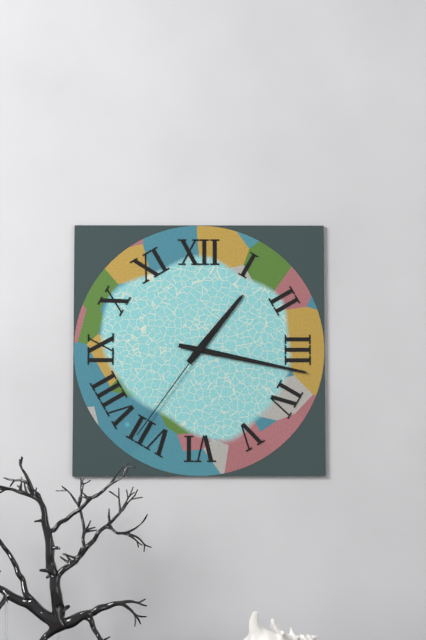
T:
1:17:36
